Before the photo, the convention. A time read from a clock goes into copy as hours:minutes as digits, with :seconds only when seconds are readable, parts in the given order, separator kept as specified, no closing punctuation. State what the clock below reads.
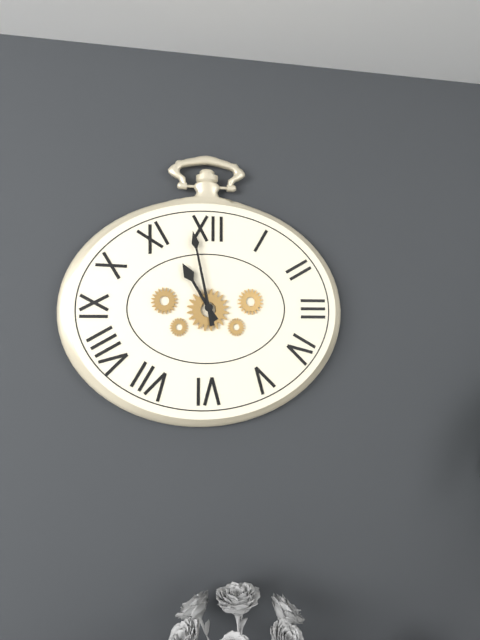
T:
10:58
